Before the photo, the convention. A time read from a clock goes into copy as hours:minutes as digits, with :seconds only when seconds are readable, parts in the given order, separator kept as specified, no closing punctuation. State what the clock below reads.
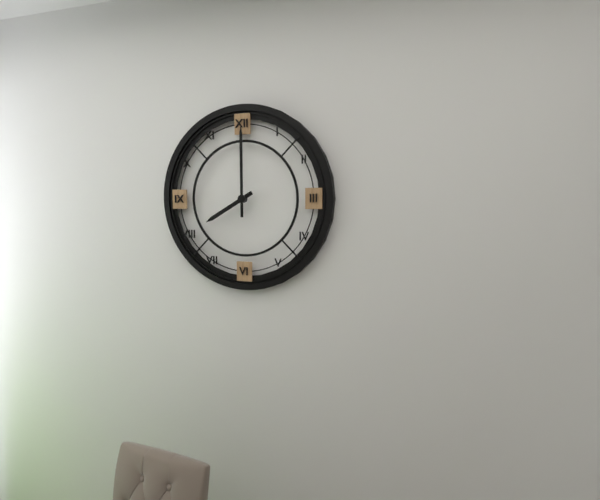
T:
8:00
